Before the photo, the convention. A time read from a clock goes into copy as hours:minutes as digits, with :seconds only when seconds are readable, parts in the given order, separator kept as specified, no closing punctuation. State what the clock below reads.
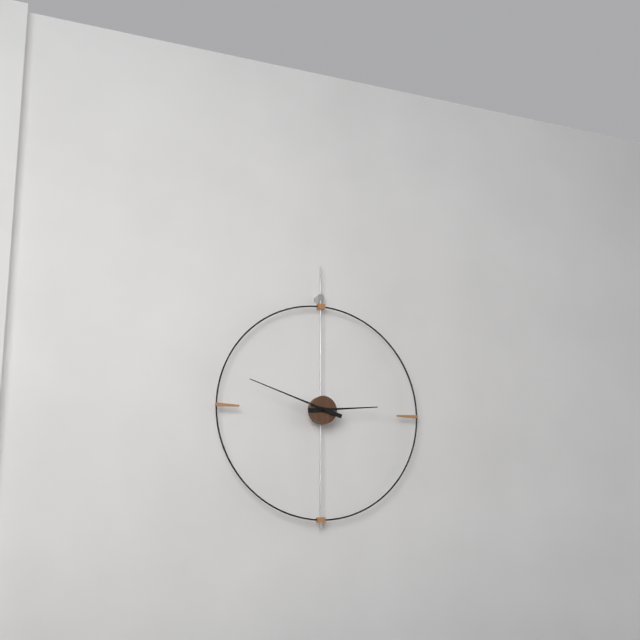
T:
2:48
